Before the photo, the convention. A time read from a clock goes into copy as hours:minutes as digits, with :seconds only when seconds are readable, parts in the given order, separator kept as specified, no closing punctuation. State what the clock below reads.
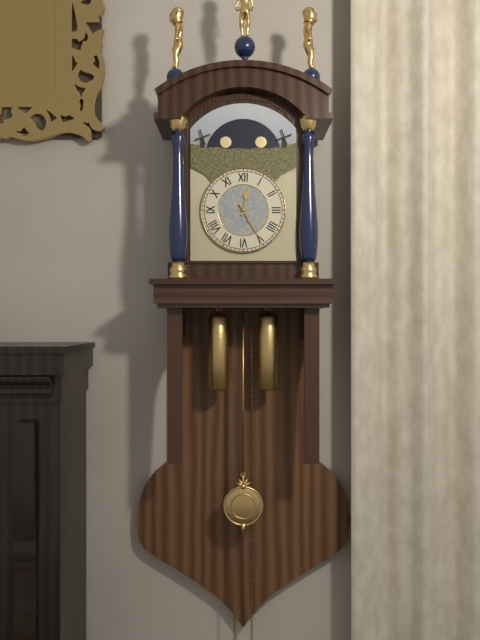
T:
12:25
